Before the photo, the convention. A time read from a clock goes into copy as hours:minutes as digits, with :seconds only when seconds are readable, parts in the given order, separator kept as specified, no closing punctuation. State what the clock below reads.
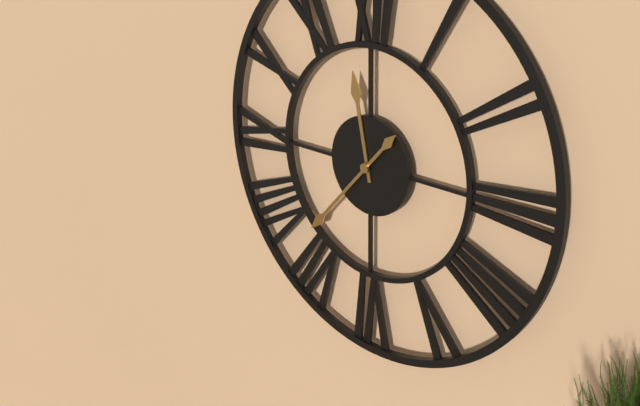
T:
11:37
